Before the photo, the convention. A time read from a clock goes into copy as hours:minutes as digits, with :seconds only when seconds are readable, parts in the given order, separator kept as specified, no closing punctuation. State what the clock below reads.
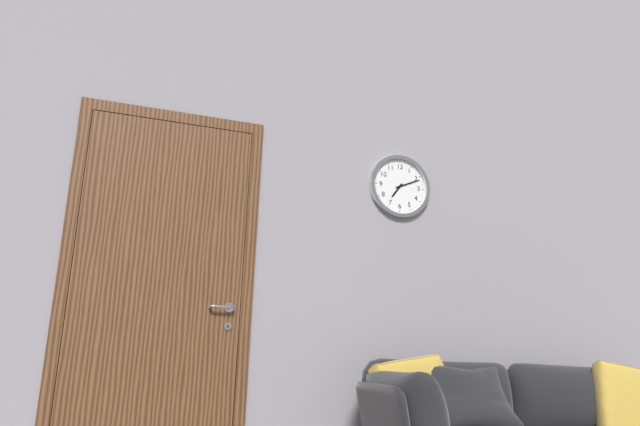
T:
7:11
